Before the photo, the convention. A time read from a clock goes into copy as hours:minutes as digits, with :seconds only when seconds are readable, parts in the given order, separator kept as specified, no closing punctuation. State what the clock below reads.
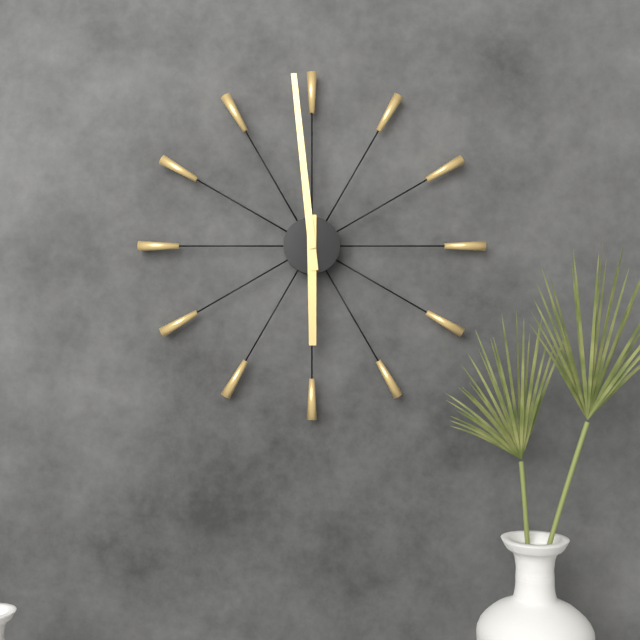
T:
5:59
